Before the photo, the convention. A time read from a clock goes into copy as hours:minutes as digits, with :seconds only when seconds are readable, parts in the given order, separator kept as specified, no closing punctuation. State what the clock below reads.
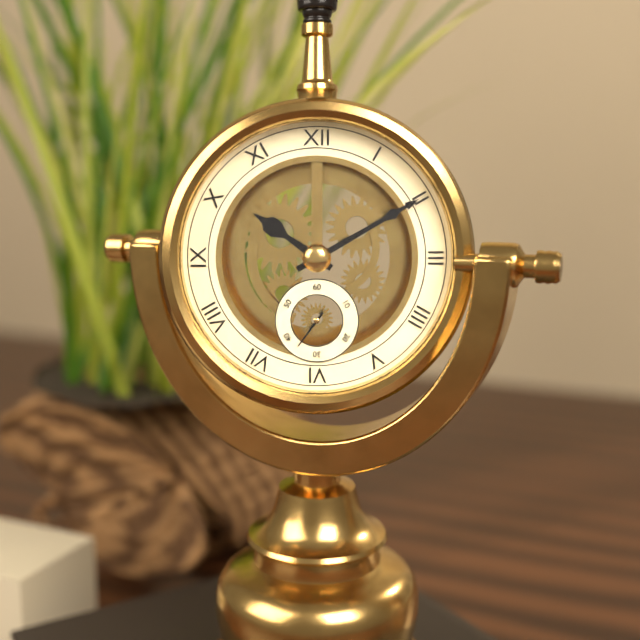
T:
10:10
